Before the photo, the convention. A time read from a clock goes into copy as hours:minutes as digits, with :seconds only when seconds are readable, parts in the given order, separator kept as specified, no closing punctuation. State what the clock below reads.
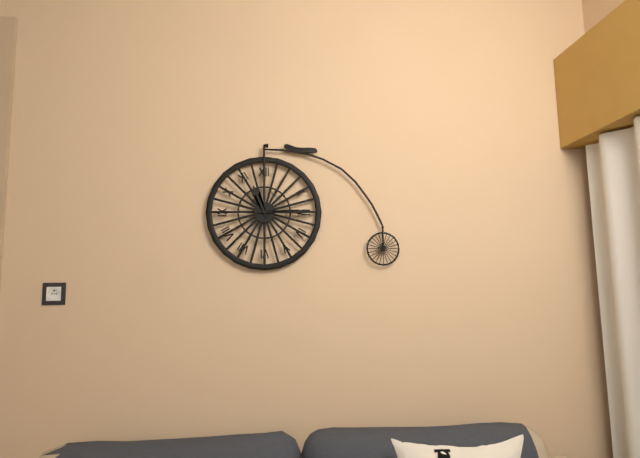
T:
11:15
